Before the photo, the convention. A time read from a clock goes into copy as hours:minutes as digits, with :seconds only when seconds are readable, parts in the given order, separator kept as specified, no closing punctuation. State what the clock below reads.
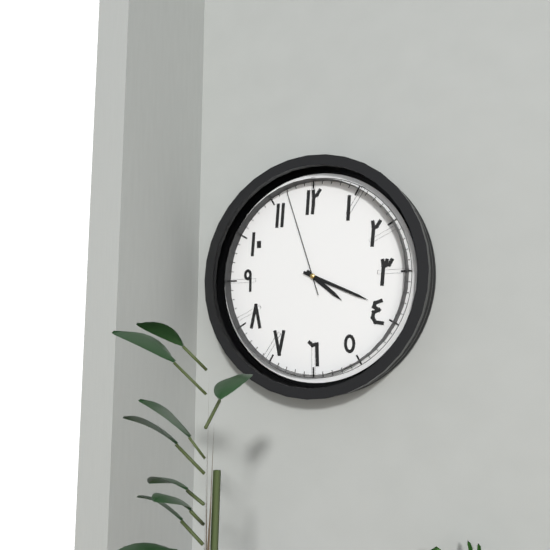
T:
4:19:57
